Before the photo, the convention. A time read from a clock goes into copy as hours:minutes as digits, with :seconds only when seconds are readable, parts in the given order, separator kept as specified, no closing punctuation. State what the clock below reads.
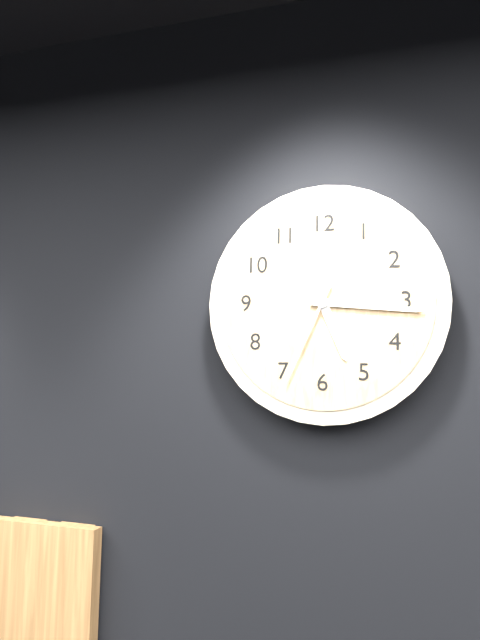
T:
5:16:34
